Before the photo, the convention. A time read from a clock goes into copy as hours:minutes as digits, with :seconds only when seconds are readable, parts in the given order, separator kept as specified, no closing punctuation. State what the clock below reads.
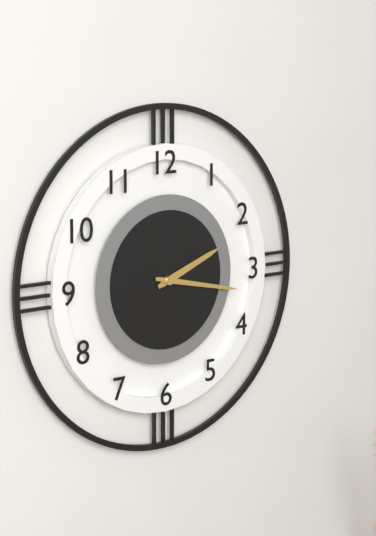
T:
2:17
